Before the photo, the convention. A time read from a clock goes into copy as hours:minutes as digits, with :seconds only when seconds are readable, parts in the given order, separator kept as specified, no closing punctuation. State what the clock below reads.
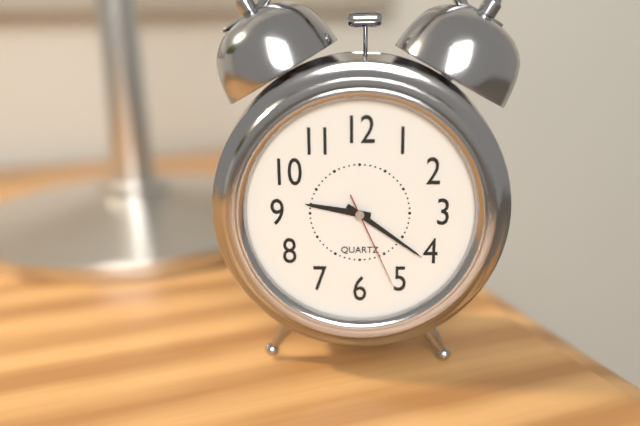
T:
9:21:26
